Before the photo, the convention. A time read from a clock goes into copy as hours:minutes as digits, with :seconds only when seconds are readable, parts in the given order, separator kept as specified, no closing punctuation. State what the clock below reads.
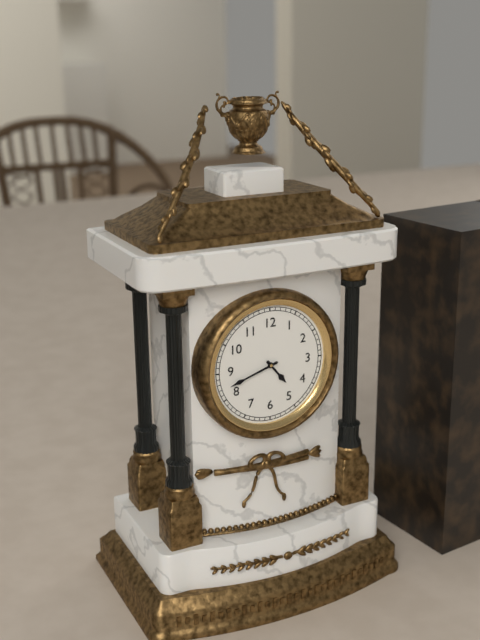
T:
4:42
